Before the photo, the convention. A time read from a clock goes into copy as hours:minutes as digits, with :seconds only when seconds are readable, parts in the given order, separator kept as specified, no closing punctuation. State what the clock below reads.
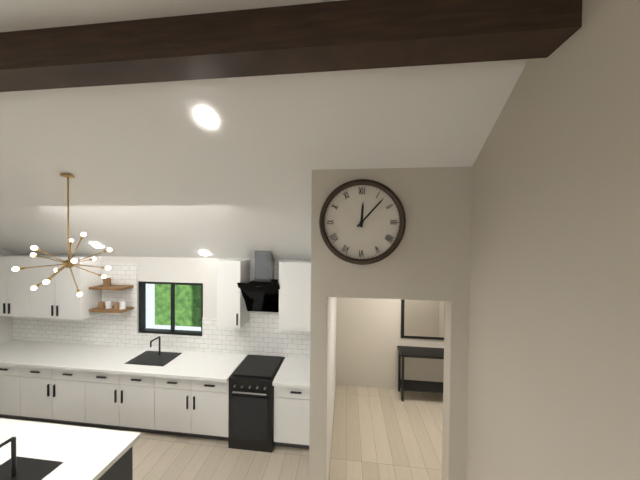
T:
12:07
